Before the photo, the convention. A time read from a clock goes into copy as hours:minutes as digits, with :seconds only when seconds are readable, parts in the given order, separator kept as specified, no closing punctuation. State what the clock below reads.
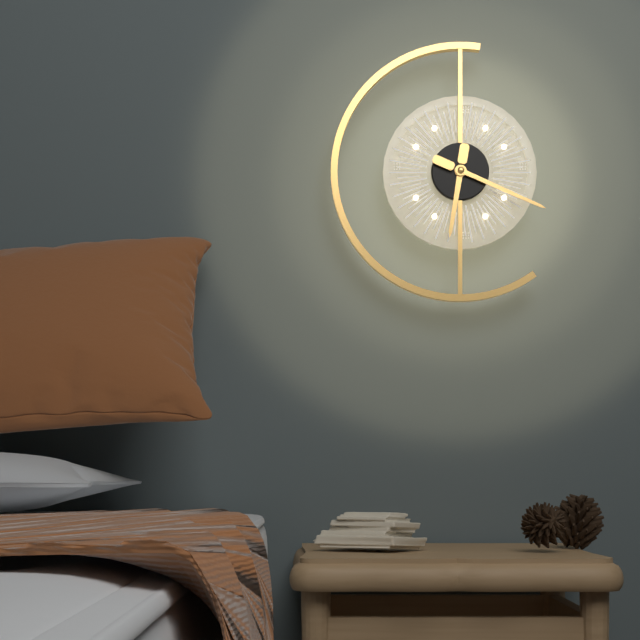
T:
6:19
